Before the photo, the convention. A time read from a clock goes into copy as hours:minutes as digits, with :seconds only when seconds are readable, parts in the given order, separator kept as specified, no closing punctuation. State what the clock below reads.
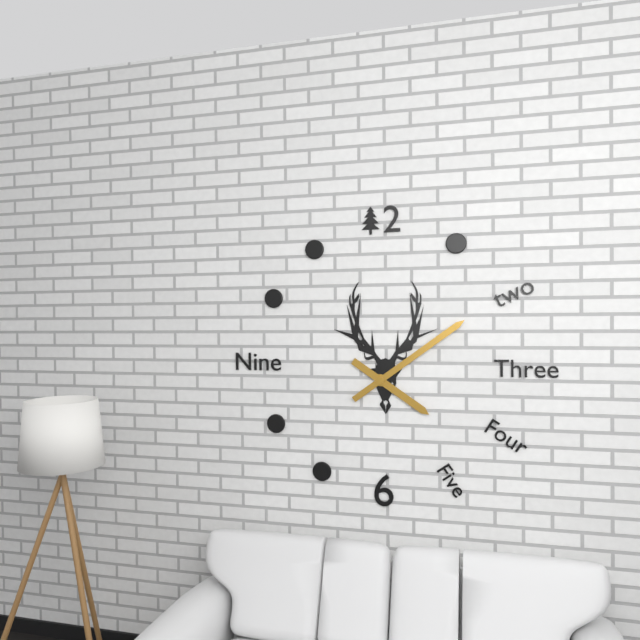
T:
4:09
